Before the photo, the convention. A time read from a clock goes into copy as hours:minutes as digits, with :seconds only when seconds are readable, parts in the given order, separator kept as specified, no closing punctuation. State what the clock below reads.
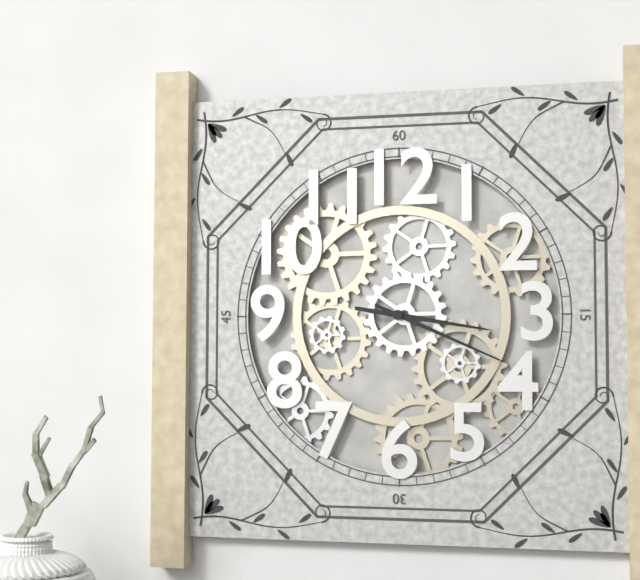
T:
3:19
